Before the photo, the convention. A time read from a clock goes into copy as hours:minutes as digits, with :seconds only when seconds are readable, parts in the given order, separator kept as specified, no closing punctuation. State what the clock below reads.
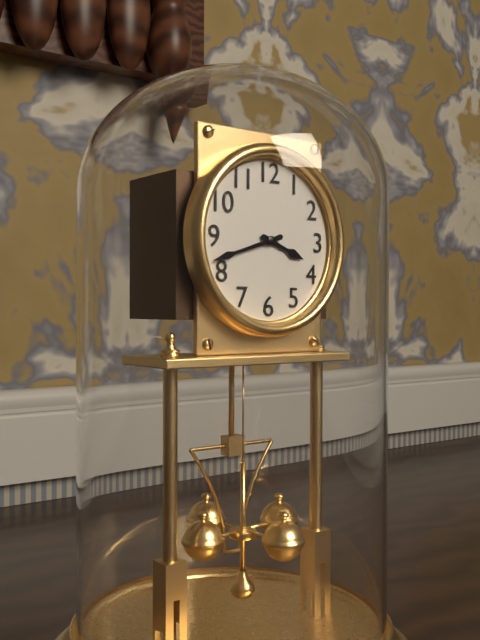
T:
3:42
